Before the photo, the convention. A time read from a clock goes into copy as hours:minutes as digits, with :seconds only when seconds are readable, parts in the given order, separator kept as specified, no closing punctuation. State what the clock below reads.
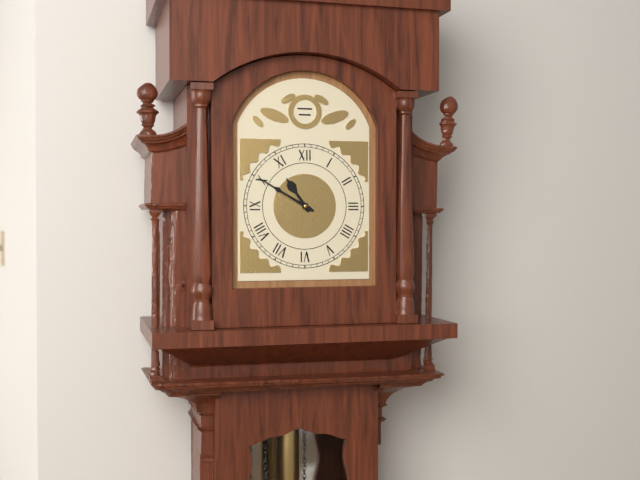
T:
10:50
